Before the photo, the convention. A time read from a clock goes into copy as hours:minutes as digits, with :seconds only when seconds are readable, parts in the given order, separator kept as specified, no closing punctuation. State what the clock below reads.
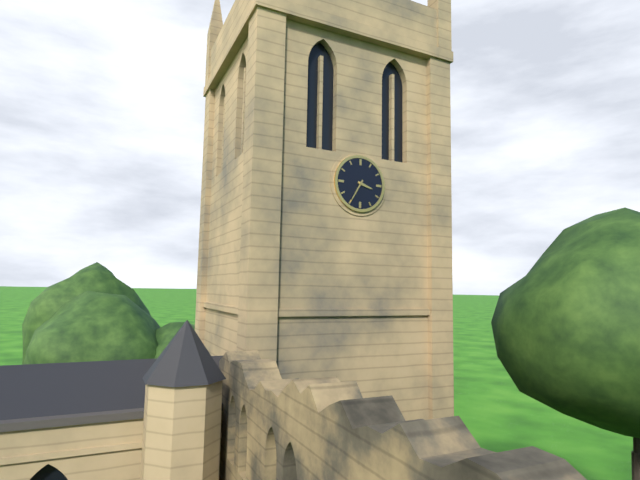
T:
3:35
